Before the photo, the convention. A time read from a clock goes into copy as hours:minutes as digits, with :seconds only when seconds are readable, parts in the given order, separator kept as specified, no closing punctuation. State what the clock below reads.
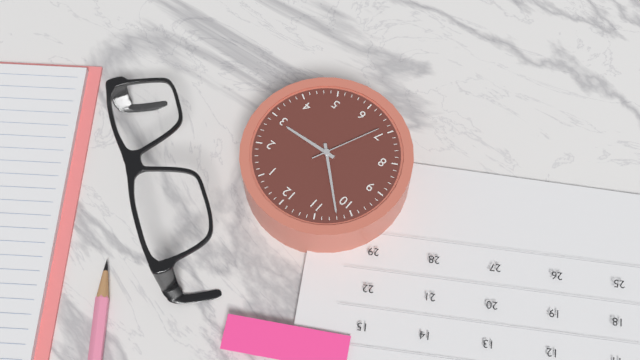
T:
2:52:34
